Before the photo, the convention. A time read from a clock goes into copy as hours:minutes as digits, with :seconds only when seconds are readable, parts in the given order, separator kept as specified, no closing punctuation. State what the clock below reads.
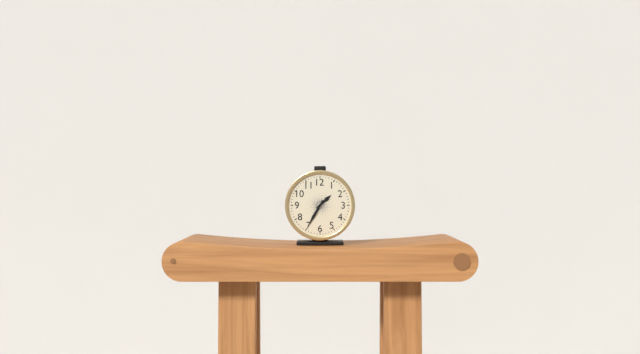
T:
1:35
